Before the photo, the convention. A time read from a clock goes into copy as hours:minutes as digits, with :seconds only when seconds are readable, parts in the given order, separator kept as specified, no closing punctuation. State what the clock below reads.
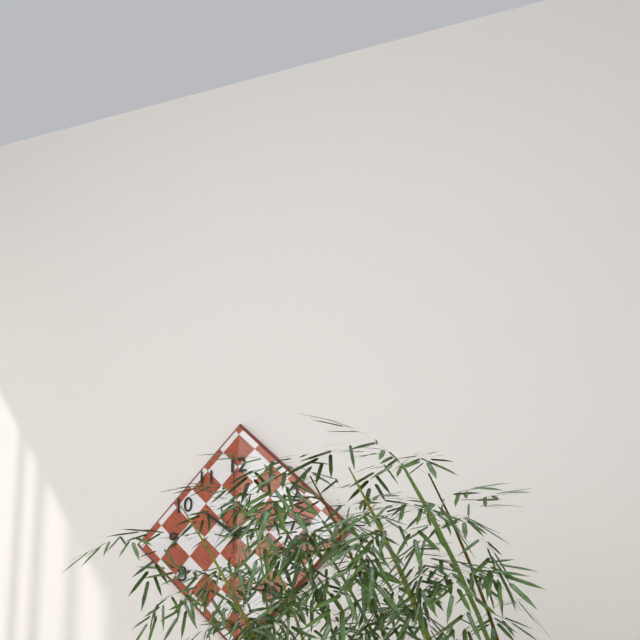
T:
10:14:00
